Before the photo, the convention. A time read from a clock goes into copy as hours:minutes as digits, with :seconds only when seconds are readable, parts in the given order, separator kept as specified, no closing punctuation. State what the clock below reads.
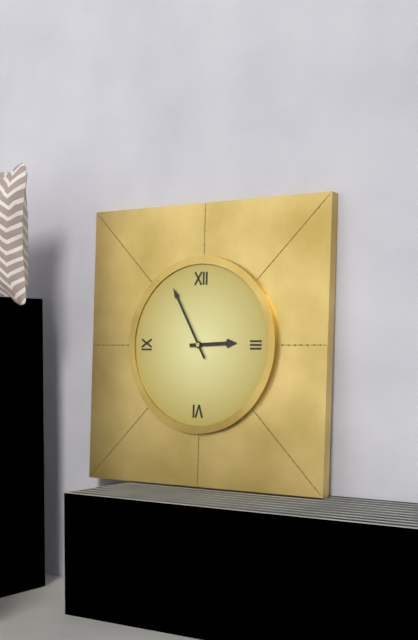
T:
2:55
